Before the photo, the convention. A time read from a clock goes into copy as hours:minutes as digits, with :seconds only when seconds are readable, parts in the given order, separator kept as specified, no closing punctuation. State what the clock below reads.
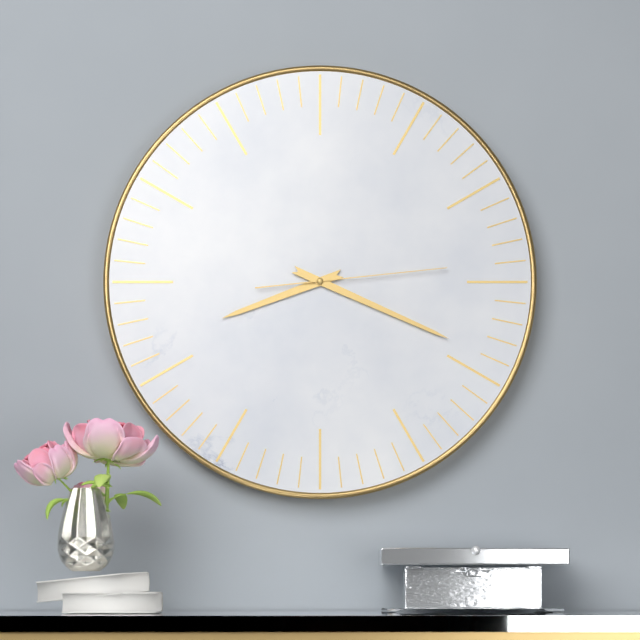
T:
8:19:14
